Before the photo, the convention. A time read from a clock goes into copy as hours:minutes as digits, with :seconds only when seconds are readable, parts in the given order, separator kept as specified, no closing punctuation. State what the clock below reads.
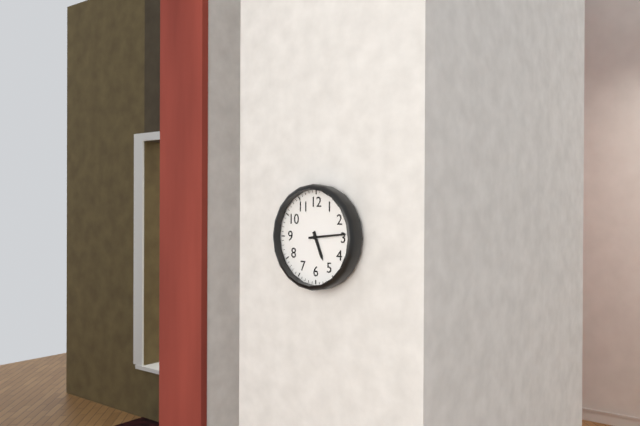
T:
5:14
